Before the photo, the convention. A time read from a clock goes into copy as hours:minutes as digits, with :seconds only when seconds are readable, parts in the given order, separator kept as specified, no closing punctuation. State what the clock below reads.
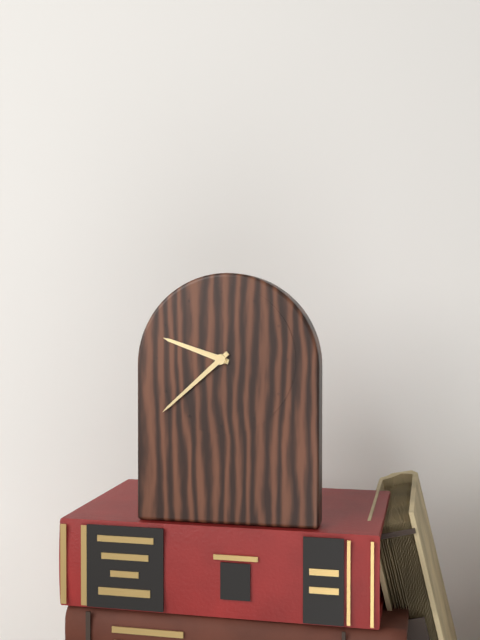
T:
9:38
